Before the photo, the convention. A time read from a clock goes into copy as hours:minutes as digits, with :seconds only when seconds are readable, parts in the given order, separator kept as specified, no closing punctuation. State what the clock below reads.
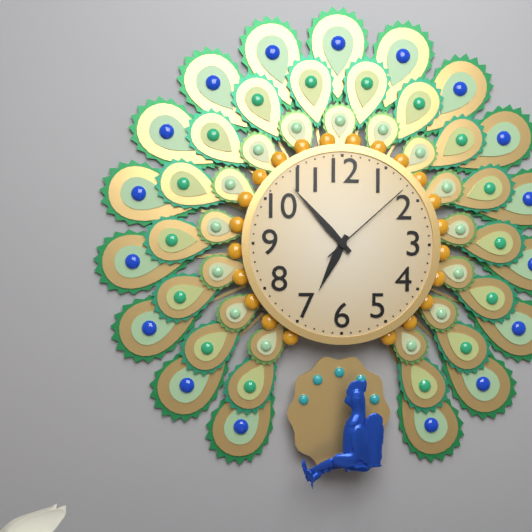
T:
6:53:08
